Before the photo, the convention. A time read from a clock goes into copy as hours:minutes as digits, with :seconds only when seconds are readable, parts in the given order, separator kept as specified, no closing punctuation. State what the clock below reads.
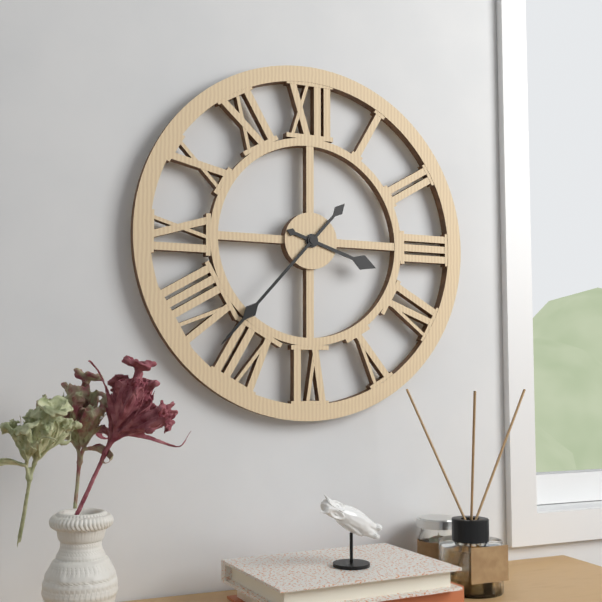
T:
3:37
